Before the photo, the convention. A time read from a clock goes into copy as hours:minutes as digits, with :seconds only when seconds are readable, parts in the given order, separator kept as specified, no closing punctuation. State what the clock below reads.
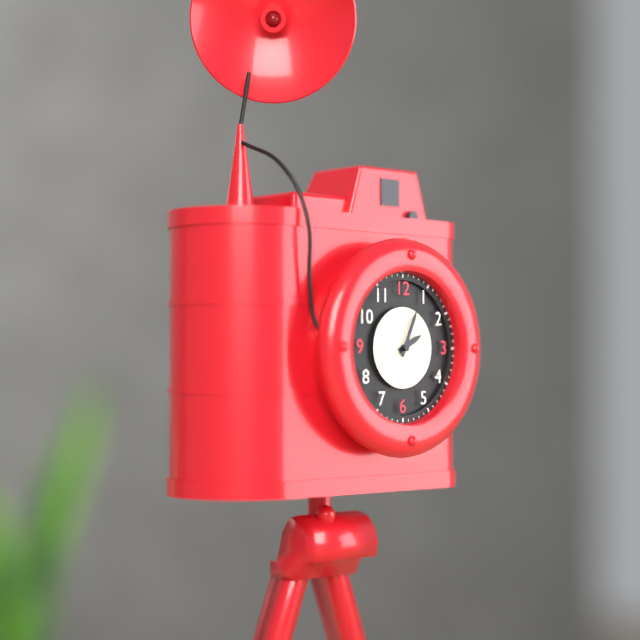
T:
2:04
